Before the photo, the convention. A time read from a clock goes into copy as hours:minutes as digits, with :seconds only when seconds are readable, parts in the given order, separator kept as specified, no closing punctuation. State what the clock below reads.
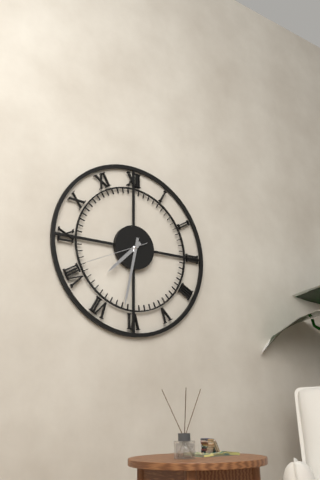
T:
7:32:41
